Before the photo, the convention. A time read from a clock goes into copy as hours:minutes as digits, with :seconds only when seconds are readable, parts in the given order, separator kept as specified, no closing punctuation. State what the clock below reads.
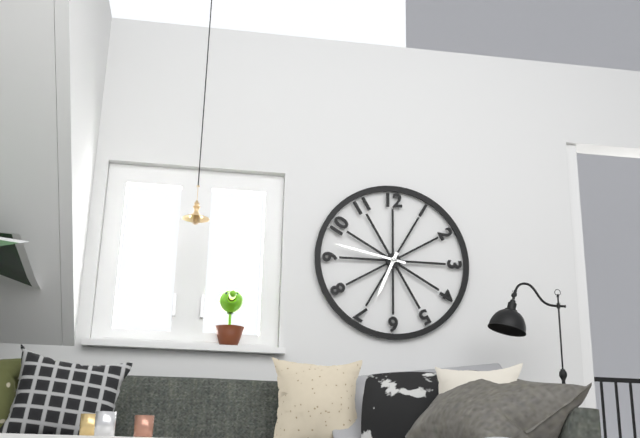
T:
6:47
